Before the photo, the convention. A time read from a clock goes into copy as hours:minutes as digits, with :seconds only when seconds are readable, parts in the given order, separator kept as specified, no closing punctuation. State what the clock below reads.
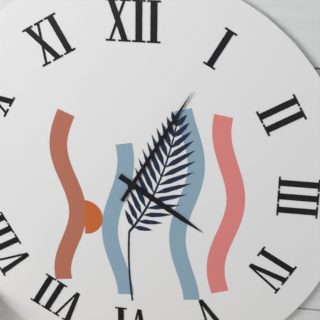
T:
4:05
